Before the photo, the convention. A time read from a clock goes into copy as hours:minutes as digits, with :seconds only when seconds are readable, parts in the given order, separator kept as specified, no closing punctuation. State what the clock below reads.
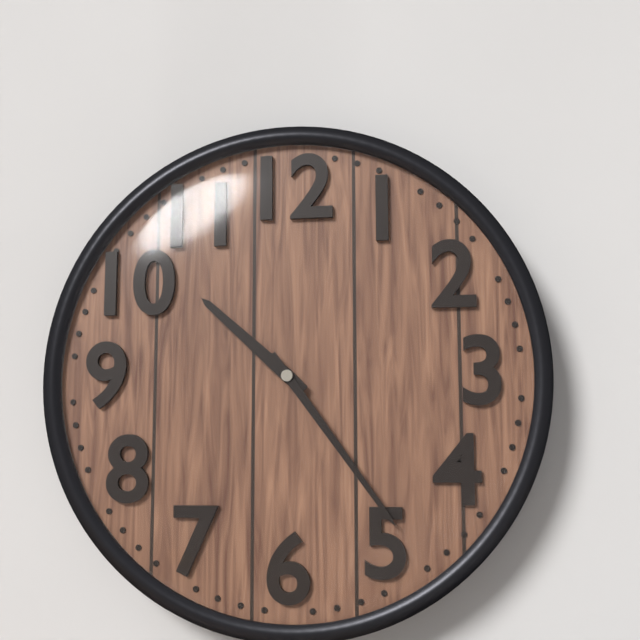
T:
10:24
